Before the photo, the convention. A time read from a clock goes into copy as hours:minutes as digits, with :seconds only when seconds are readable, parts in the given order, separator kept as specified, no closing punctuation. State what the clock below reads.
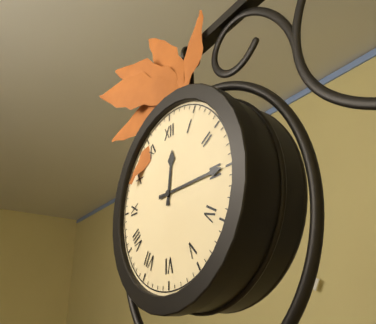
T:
12:15
